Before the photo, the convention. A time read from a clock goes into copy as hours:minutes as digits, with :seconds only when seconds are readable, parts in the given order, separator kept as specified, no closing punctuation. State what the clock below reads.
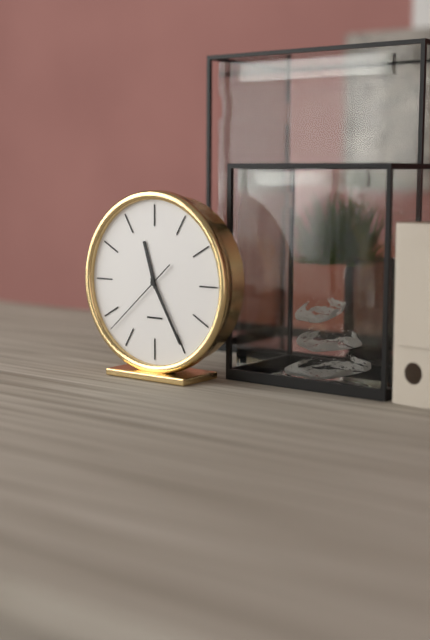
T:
11:25:38
